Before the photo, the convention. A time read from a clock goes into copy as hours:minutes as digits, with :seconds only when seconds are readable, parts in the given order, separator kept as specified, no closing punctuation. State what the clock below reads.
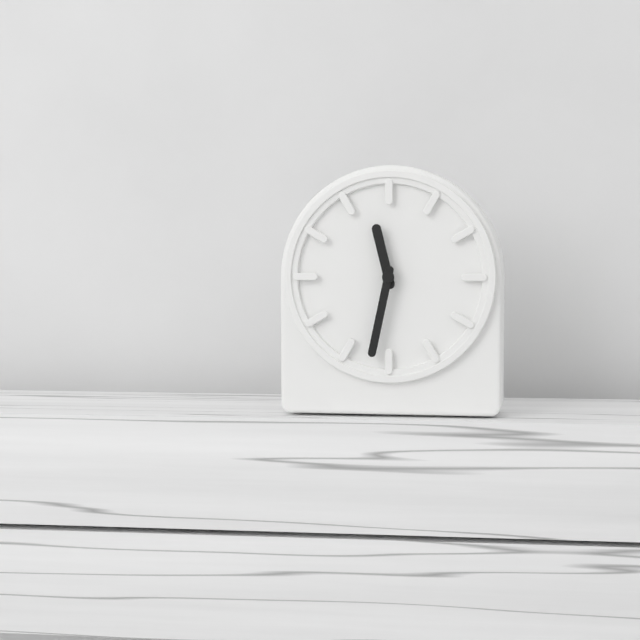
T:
11:32
